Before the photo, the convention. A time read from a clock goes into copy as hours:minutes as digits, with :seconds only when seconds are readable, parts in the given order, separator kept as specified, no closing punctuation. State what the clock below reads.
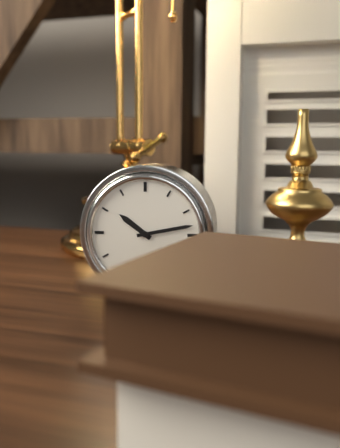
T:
10:13
